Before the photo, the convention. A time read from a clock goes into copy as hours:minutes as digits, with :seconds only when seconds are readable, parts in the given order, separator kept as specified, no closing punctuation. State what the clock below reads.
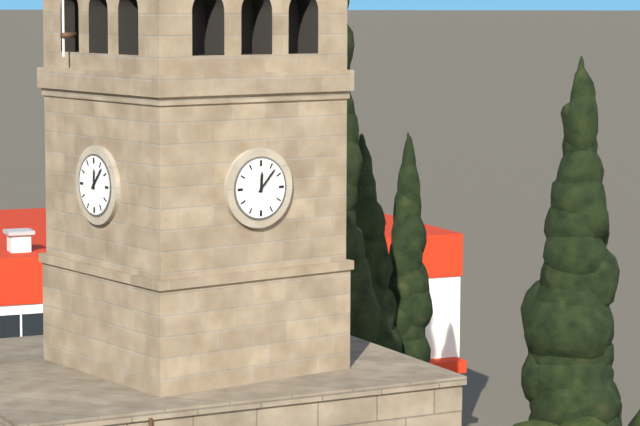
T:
12:07
